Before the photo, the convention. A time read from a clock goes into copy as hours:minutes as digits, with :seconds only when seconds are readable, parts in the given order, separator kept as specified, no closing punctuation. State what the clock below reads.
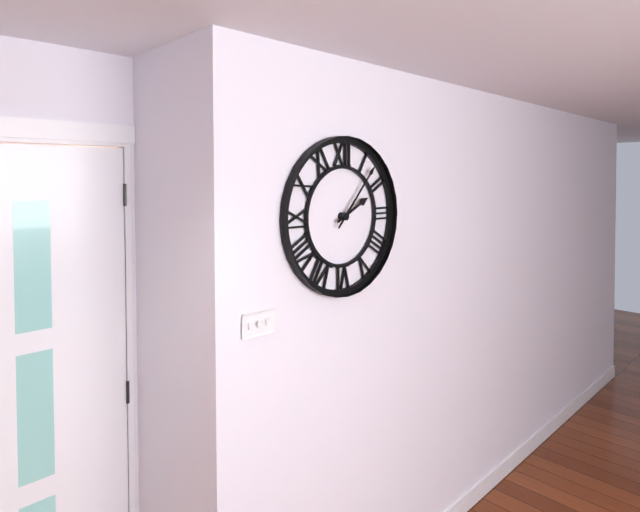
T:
2:07
